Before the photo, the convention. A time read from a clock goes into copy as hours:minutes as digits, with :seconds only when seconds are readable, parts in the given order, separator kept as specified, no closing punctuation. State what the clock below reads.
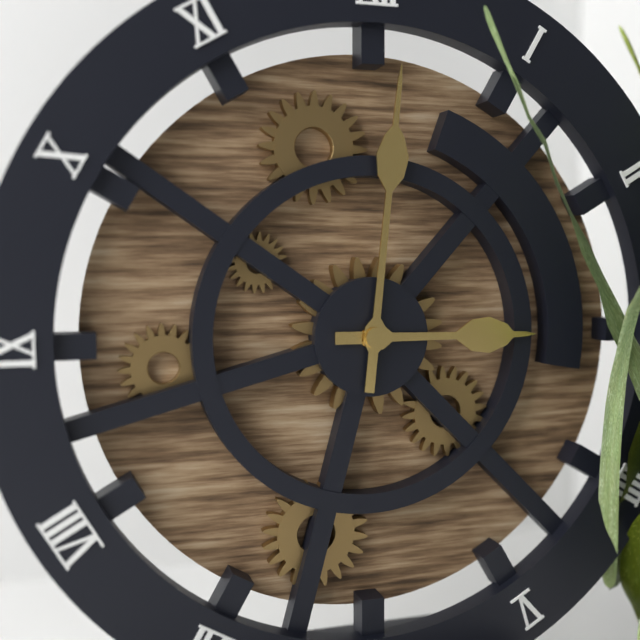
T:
3:01
